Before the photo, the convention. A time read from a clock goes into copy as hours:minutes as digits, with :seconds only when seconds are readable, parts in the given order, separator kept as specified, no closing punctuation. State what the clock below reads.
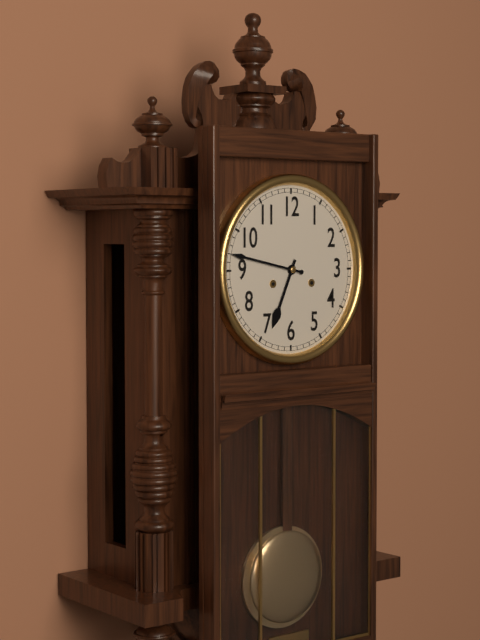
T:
6:47
